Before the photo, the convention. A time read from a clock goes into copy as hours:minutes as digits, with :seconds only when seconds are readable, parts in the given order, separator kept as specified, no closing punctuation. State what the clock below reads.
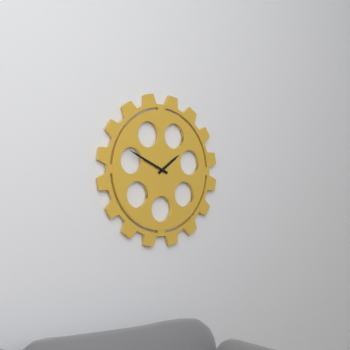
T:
1:49
